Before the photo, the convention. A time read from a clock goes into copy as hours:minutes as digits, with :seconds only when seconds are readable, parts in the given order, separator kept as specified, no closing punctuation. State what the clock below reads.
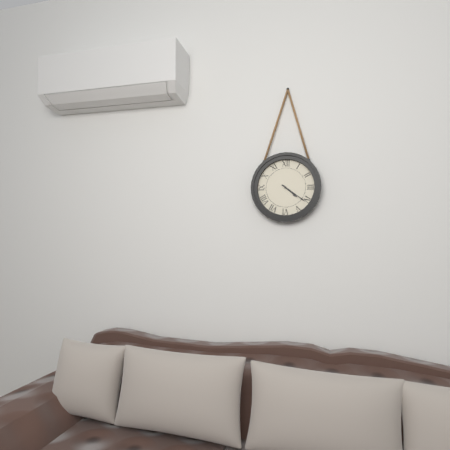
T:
4:21
